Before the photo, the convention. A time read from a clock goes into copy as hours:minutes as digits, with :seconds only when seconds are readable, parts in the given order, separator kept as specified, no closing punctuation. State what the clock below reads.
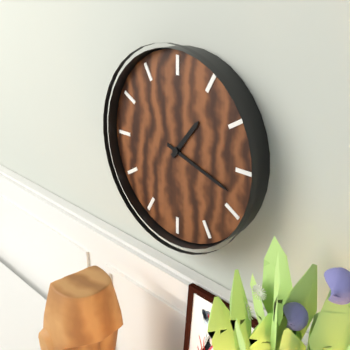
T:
1:18
